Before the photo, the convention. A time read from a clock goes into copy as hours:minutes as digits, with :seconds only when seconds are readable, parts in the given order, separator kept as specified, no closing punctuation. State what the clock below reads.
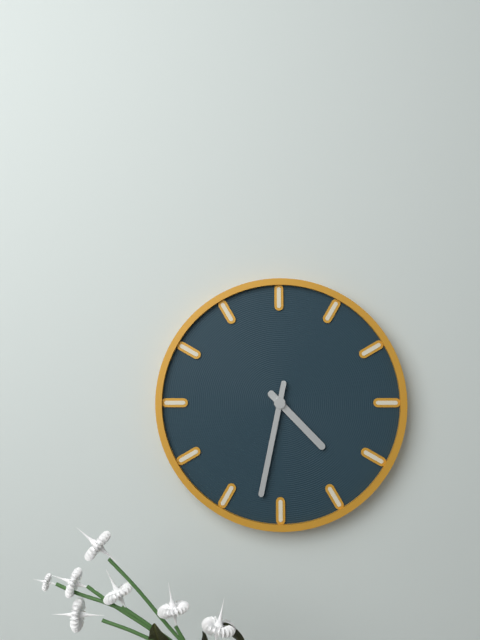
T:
4:32
